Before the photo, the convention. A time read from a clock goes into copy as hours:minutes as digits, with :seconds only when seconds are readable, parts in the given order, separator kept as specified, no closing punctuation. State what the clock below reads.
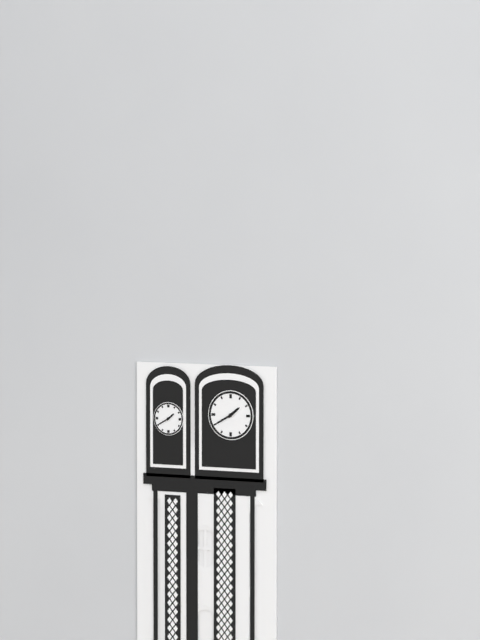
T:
1:40
